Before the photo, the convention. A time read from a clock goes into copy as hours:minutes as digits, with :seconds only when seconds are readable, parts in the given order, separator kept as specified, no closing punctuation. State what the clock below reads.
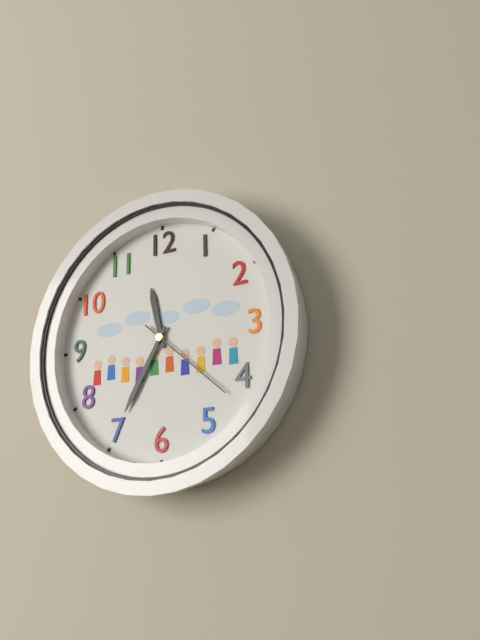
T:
11:35:22
